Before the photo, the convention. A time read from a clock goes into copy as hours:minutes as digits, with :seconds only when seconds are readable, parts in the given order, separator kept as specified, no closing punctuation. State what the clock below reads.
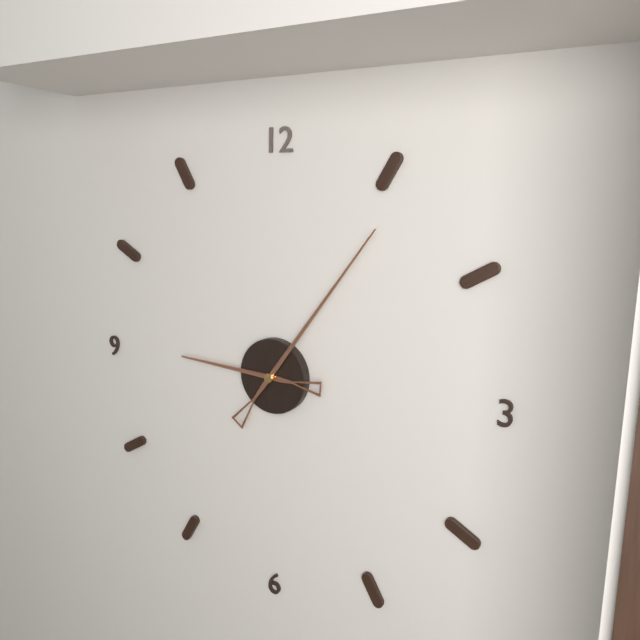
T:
9:06
